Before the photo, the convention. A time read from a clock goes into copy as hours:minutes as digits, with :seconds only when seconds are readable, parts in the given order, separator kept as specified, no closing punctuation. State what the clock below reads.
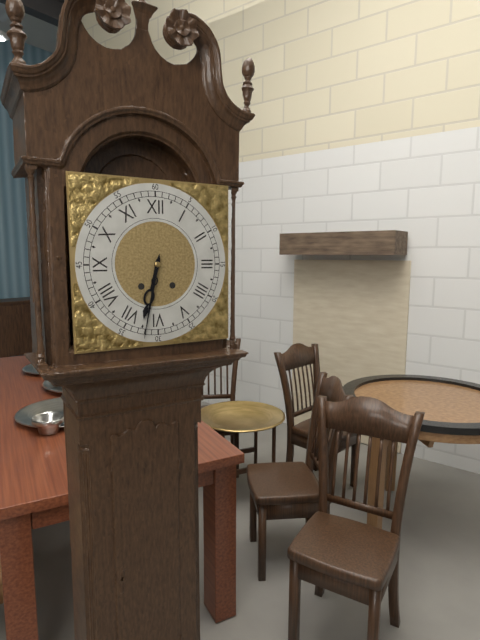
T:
6:32
